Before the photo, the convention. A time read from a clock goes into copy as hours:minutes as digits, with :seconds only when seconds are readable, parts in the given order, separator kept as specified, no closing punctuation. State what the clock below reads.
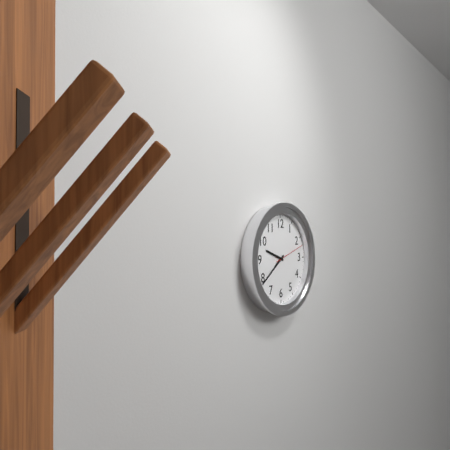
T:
9:39
